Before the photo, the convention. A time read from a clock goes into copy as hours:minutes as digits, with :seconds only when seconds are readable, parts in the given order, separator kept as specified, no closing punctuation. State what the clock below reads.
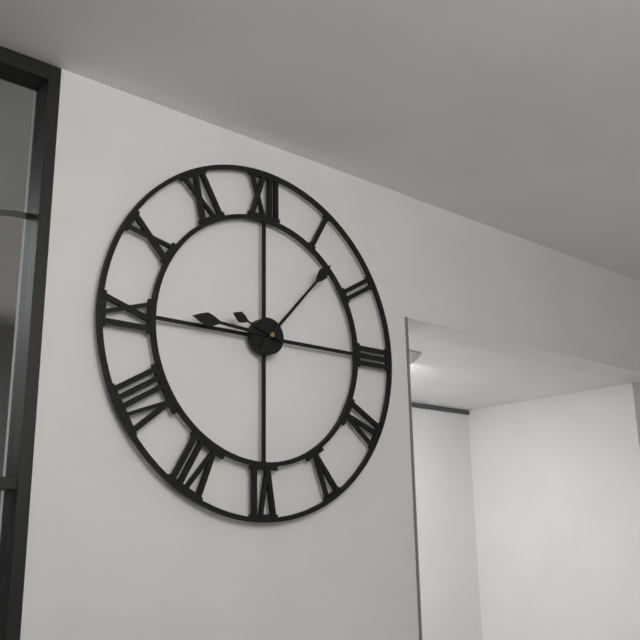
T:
9:07
